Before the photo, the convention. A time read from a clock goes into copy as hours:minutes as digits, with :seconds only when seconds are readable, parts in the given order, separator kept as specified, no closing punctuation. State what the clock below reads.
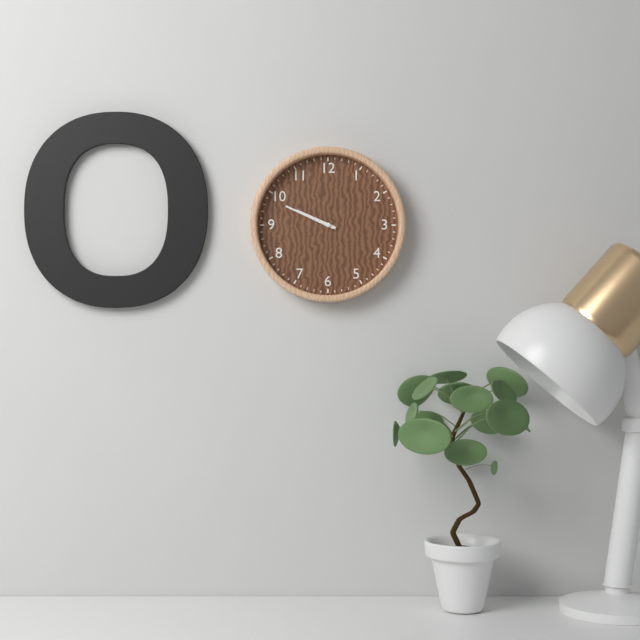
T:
9:49
